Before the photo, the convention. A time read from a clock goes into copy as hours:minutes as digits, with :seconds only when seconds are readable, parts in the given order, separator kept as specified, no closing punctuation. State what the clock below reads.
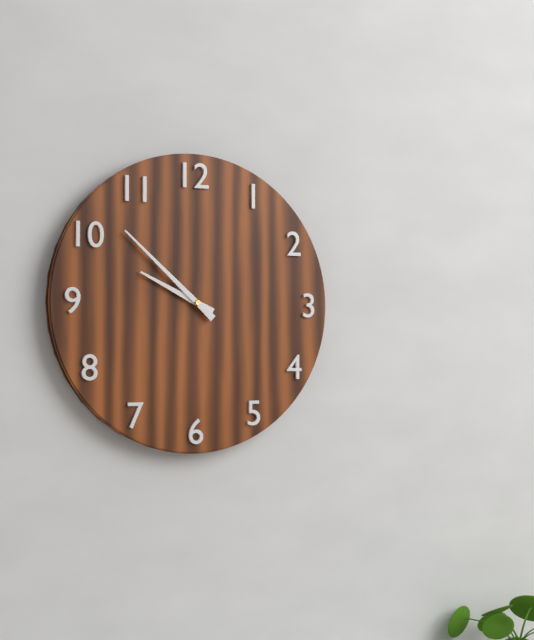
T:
9:52
